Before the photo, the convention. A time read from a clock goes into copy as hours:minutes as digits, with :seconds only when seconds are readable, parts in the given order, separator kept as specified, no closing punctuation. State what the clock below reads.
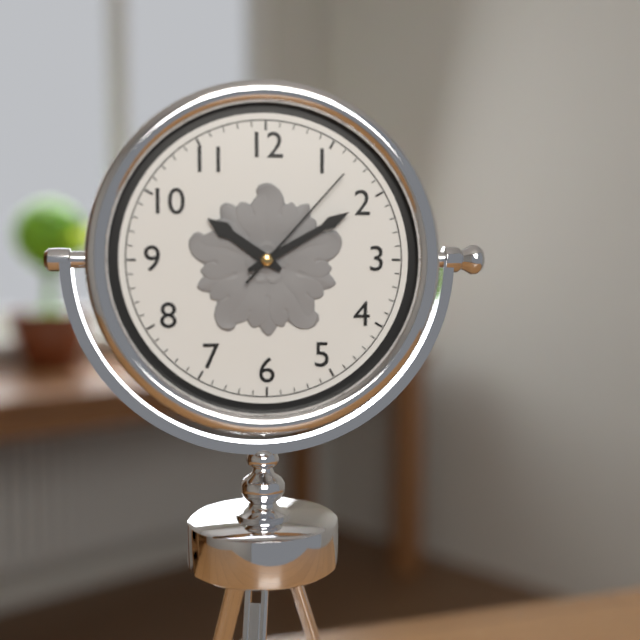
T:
10:10:07
